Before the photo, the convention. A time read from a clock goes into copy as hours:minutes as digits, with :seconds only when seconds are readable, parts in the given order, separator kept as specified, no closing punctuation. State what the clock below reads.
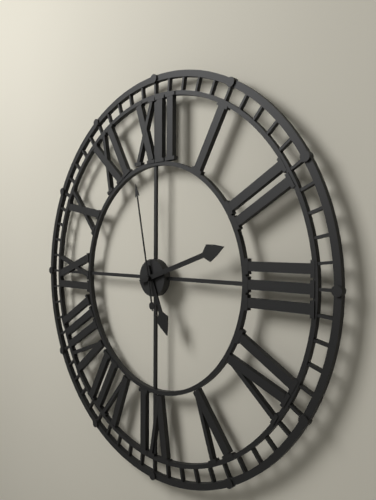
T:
5:12:58
